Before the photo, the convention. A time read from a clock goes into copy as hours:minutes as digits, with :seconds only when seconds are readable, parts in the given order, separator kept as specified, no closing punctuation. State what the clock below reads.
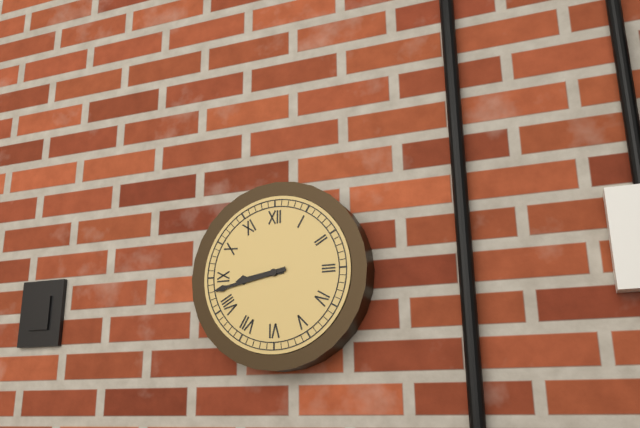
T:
8:43
